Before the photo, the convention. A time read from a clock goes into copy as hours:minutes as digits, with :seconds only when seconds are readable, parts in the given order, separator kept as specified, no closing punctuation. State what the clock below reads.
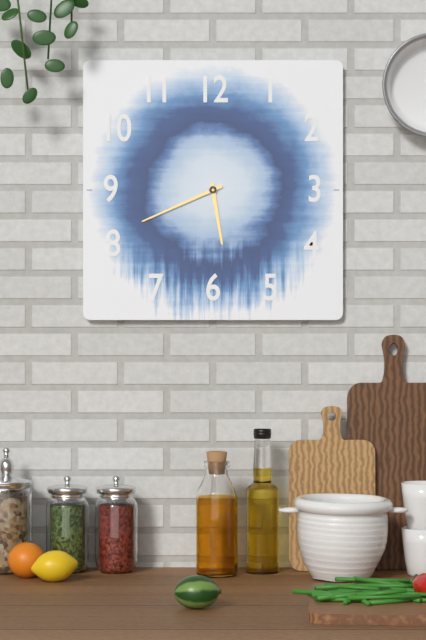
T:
5:41
